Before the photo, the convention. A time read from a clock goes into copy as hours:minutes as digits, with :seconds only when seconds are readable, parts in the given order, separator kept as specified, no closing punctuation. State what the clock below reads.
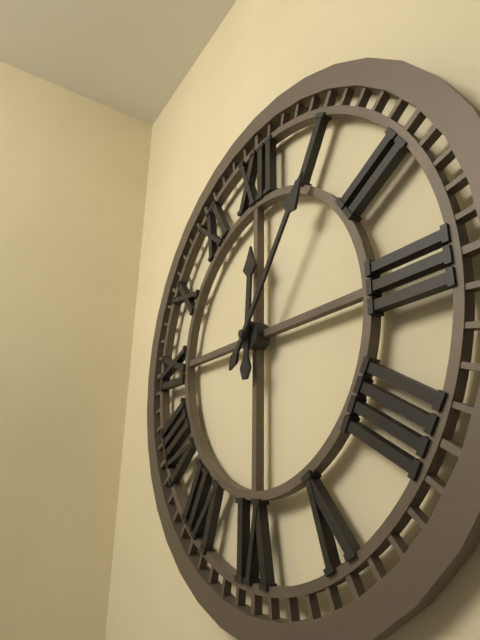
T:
12:06
